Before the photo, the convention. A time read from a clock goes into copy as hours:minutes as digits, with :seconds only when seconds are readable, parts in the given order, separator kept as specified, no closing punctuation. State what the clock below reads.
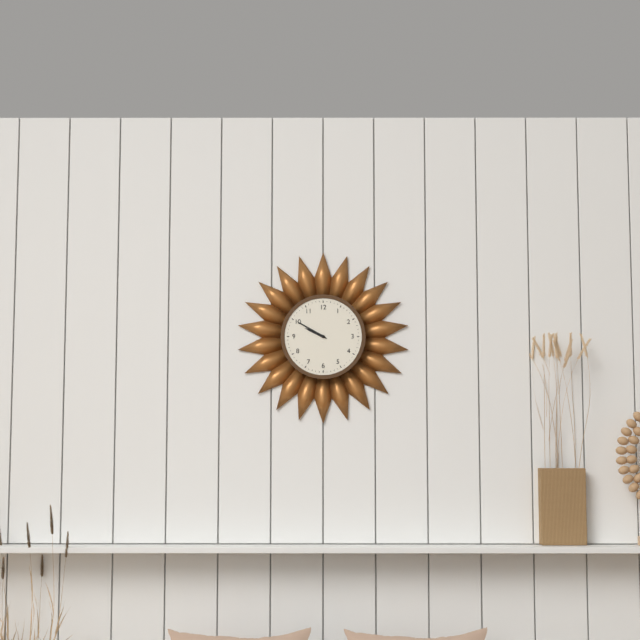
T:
9:50
